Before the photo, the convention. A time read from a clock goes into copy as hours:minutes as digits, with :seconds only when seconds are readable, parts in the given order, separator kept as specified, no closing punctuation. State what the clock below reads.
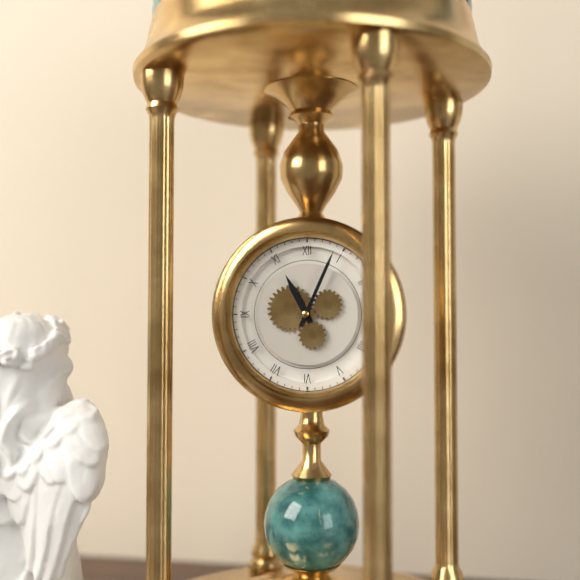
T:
11:04
